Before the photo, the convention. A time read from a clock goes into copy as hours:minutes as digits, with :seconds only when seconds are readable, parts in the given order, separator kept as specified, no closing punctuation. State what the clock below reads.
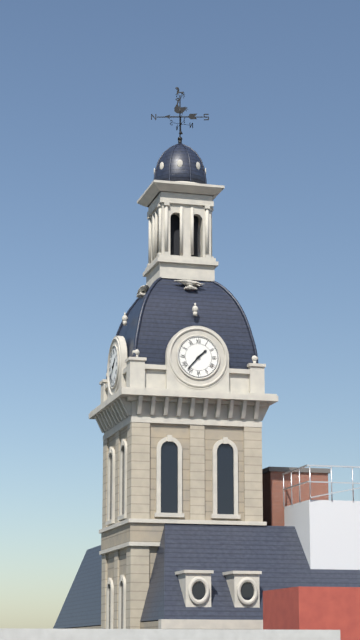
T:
1:37
